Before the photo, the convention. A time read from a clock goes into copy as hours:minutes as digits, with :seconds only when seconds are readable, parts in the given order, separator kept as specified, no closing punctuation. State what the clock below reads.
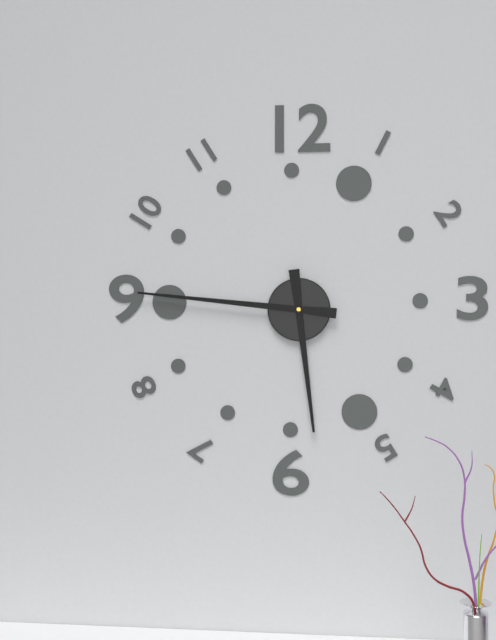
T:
5:46
